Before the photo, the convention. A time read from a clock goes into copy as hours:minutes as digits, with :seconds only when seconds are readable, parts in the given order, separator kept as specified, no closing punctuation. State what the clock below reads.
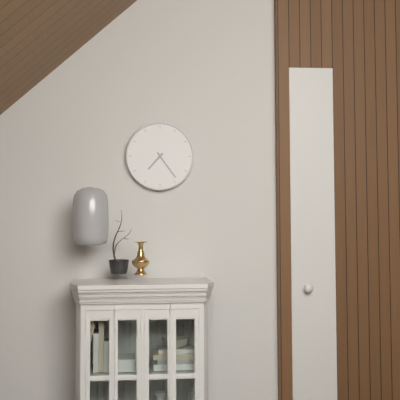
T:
7:24
